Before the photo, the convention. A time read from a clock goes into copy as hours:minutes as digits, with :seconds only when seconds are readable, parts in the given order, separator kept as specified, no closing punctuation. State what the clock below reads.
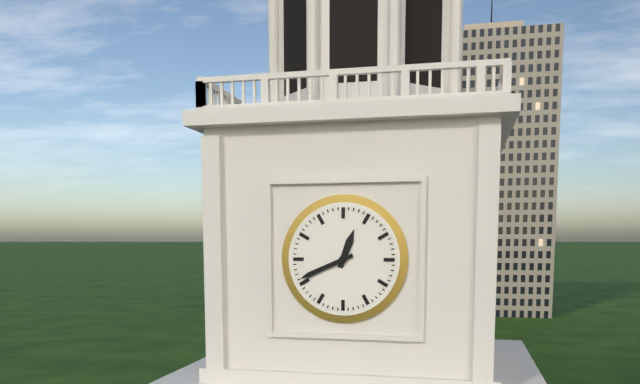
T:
12:41
